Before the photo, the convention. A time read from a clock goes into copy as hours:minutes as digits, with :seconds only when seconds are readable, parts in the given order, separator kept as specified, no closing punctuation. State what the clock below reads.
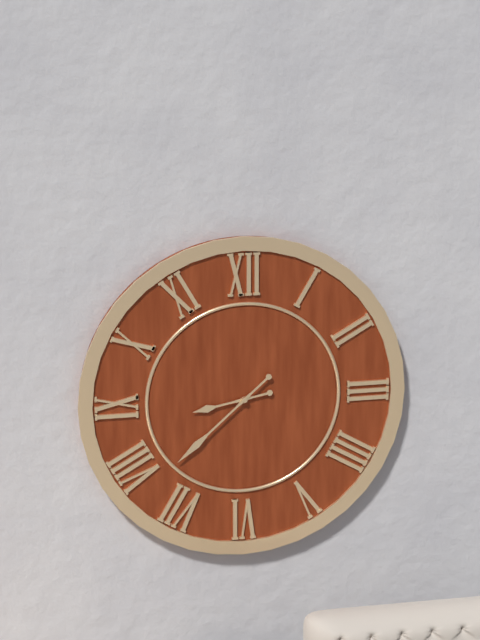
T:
8:38
